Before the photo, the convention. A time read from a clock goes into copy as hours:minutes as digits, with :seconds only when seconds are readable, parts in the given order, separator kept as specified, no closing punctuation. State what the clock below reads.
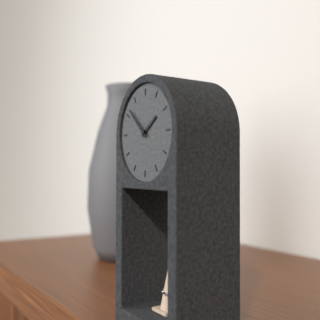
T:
1:52
